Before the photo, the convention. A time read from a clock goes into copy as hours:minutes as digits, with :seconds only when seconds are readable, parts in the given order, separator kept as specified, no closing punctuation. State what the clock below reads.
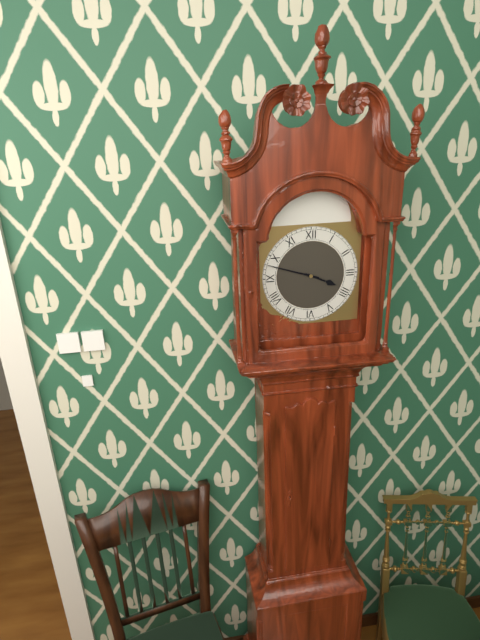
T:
3:48
